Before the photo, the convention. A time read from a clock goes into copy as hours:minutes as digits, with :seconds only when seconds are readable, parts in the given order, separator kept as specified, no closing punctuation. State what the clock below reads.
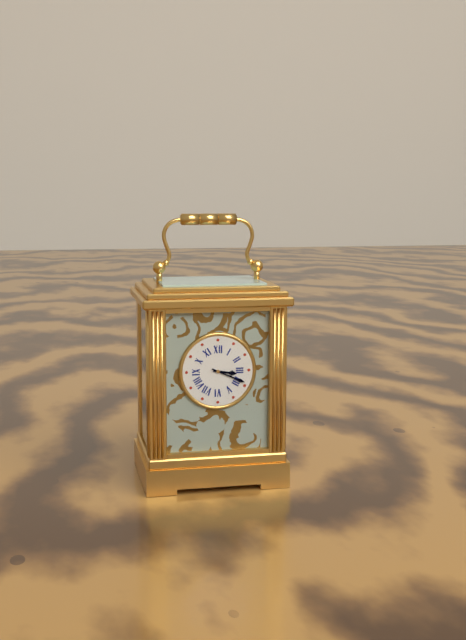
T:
3:19
